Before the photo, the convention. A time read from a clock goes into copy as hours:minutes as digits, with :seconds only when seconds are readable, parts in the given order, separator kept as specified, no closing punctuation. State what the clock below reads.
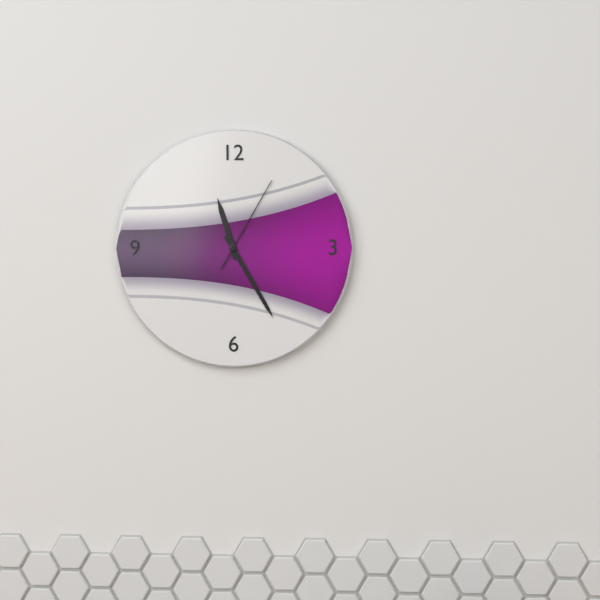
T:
11:25:05
